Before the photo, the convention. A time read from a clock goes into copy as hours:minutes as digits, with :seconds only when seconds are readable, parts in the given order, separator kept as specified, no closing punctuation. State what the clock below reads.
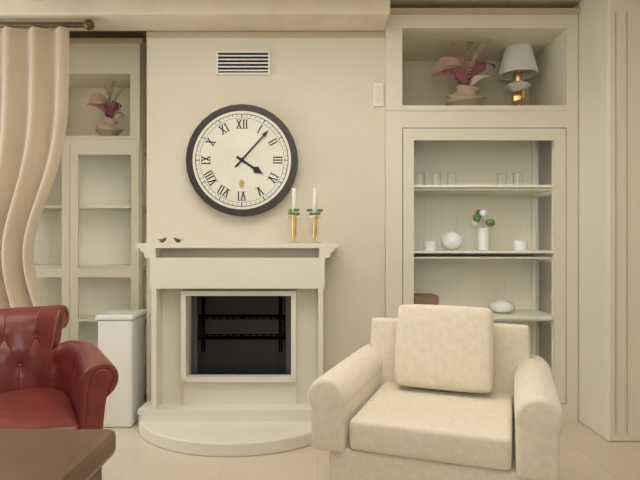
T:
4:07
